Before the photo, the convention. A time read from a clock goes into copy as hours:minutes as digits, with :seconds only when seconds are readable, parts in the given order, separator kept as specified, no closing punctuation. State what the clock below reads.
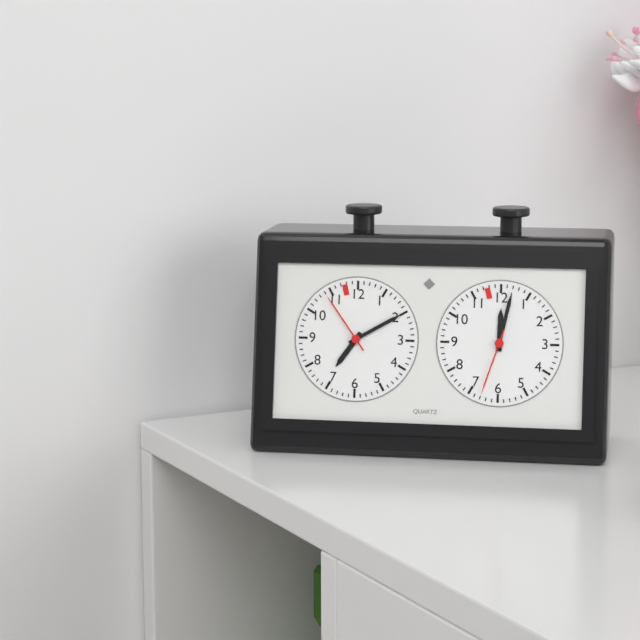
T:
7:10:54
